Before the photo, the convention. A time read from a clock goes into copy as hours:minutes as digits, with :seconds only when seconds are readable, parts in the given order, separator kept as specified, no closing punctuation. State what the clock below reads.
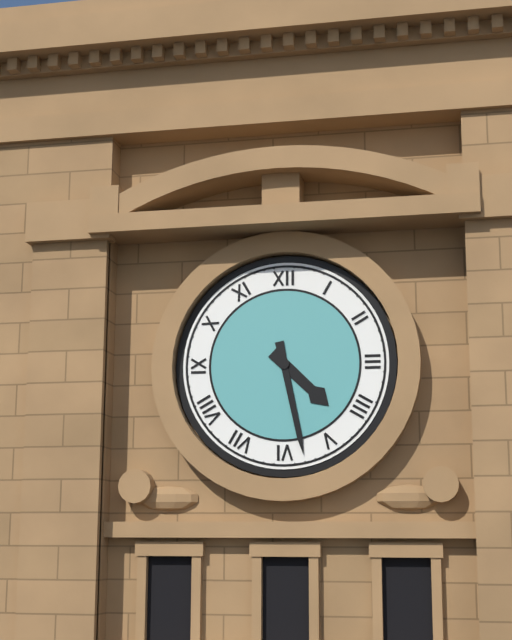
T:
4:28
